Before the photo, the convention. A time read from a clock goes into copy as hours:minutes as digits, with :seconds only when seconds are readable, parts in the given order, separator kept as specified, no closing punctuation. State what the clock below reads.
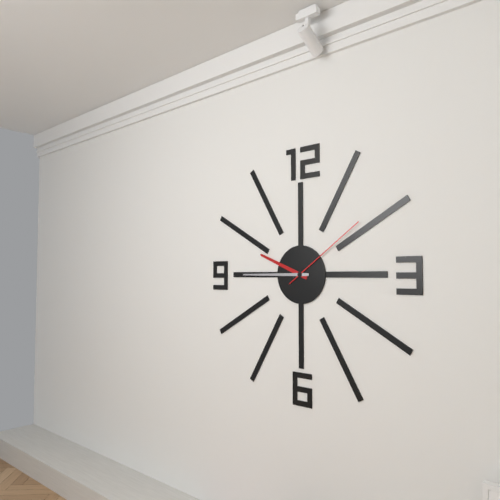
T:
9:45:09
